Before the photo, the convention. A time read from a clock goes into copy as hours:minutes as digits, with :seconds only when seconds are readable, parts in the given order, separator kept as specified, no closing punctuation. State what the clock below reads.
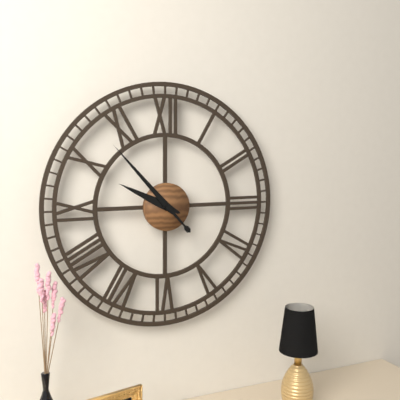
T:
9:53
